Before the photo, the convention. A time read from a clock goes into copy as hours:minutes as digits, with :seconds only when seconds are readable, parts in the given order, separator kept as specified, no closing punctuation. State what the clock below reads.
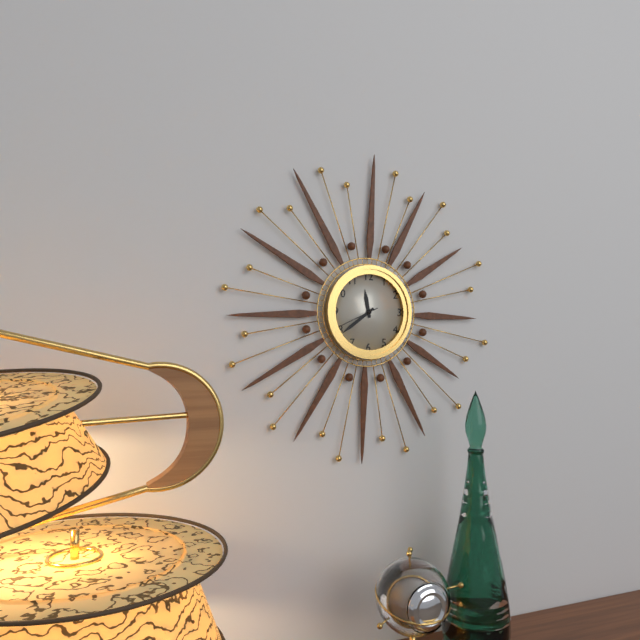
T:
11:39
